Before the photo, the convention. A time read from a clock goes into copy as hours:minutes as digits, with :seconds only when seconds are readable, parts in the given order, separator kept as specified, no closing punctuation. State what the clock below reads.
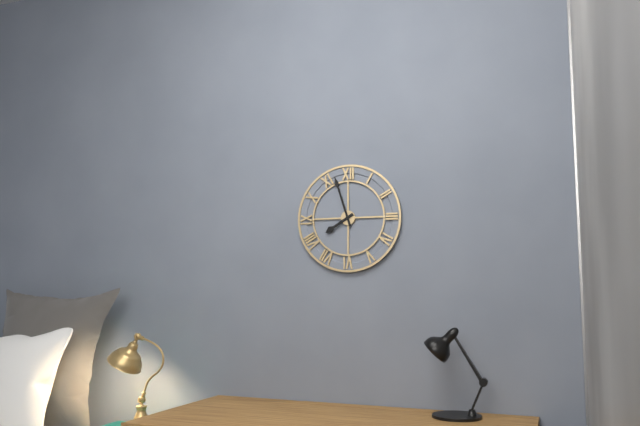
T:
7:57
